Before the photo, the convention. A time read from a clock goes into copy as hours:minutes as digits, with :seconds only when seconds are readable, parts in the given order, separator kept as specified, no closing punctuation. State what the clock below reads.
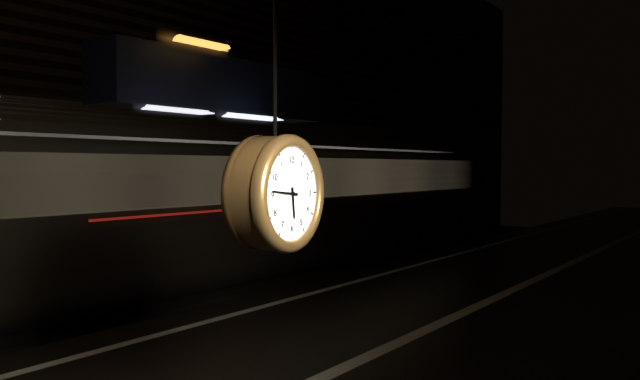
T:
5:46
